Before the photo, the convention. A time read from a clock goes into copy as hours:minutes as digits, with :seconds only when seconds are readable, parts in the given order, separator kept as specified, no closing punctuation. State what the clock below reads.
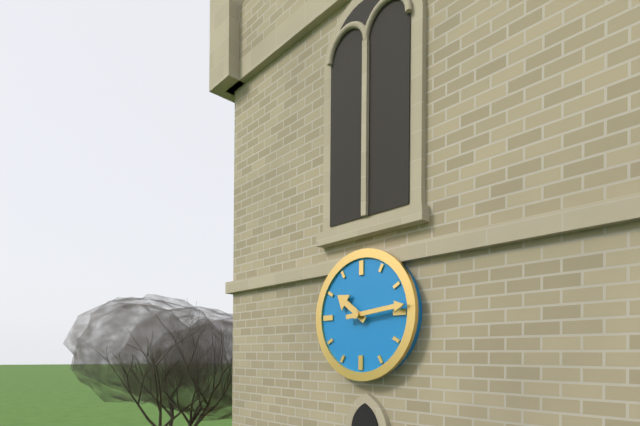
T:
10:14
